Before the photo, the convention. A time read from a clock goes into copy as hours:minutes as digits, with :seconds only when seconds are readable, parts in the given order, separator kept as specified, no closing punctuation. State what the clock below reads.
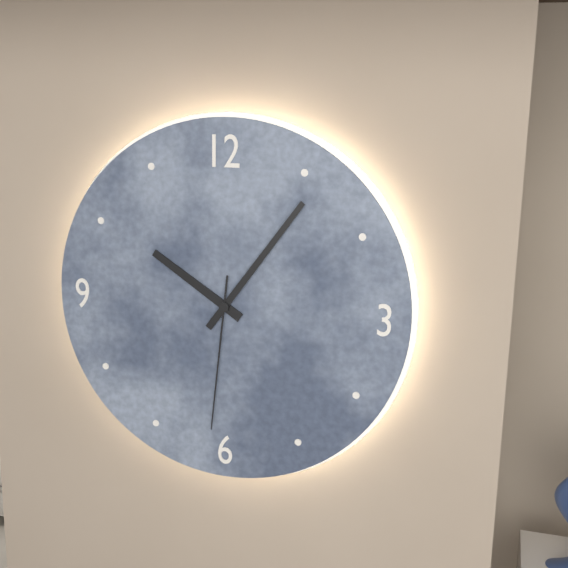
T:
10:06:31
